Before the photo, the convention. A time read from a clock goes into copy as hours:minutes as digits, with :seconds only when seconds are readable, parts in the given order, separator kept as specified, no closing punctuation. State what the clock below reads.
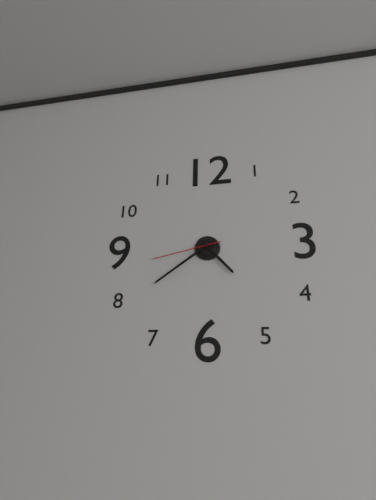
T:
4:39:43
